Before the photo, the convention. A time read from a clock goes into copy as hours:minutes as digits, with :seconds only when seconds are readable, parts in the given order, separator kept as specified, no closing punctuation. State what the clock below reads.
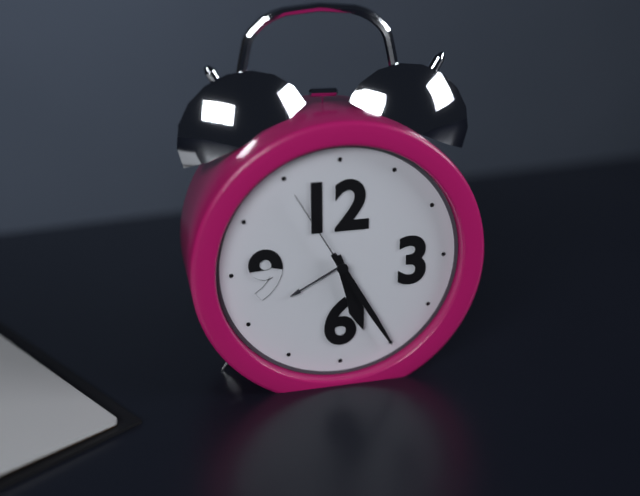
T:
5:25:55
